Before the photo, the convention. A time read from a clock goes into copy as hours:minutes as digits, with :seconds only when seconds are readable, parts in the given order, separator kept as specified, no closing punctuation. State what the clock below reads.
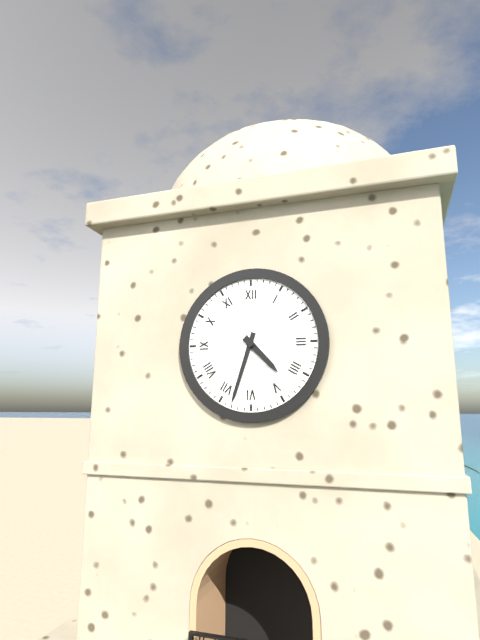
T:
4:33
